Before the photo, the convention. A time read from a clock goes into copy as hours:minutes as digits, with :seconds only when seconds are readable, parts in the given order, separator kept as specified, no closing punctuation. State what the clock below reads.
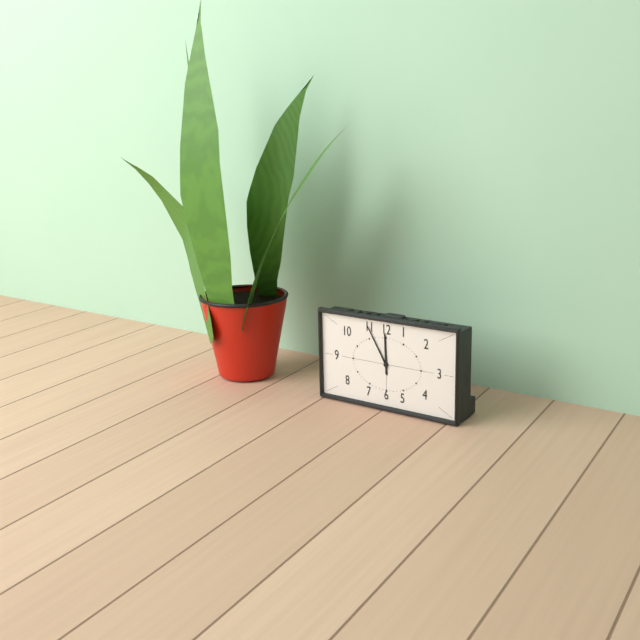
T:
11:55
